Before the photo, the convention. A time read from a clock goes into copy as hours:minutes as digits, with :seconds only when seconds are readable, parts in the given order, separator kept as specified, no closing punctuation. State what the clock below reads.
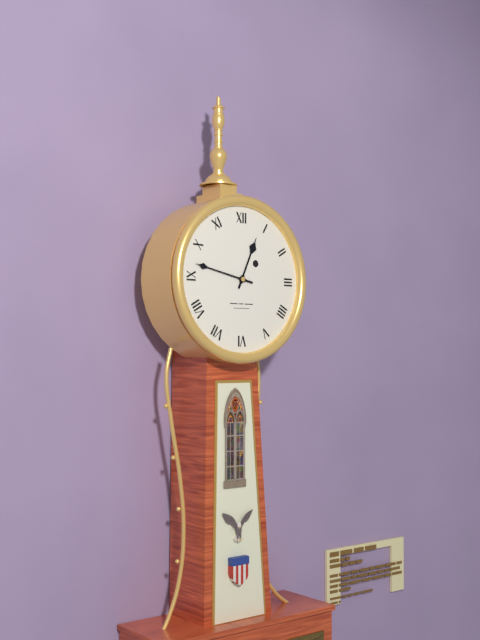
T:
12:47
